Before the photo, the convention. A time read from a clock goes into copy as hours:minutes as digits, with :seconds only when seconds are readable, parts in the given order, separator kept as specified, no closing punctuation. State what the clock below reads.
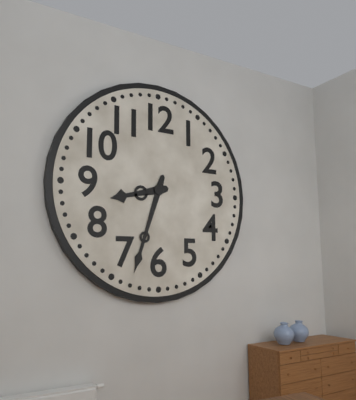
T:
8:33
